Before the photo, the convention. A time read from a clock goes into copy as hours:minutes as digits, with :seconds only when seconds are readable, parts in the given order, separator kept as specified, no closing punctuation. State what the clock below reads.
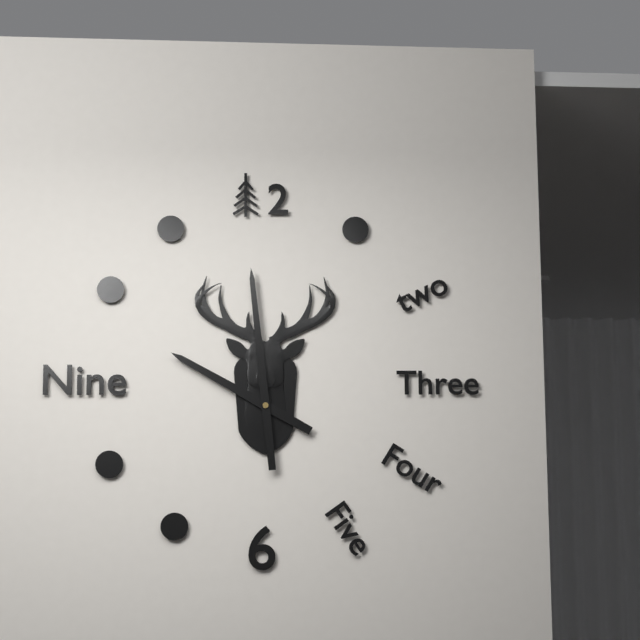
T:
9:59
